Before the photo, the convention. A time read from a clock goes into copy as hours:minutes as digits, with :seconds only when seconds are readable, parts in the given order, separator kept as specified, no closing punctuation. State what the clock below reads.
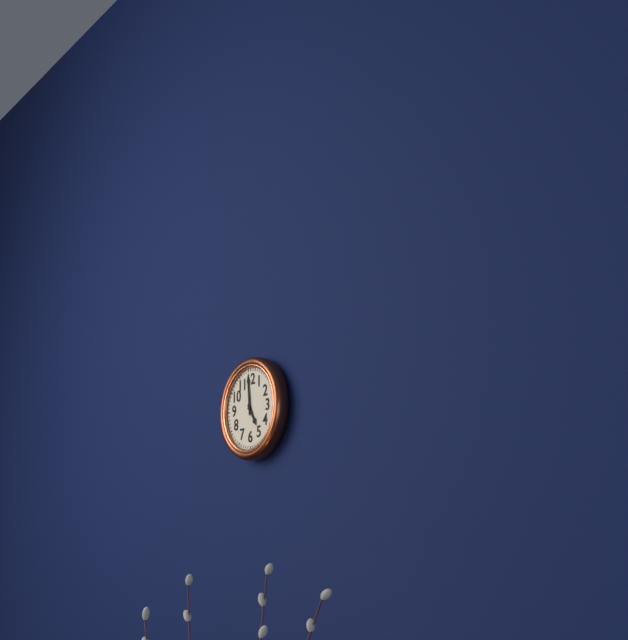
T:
4:59
